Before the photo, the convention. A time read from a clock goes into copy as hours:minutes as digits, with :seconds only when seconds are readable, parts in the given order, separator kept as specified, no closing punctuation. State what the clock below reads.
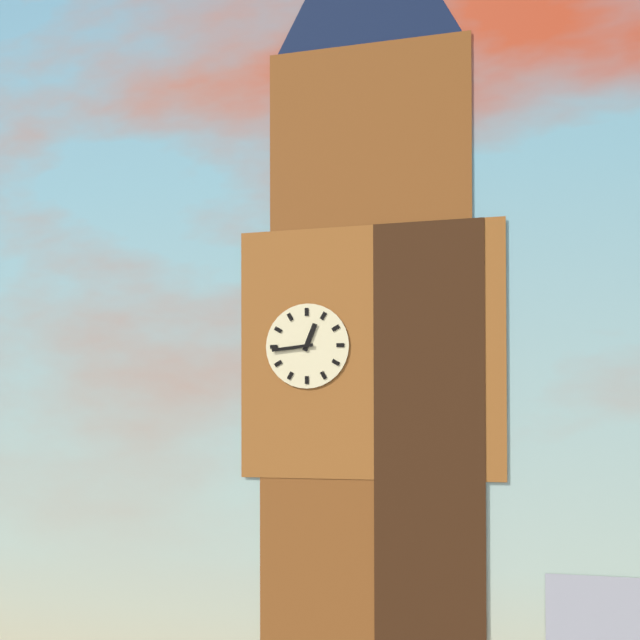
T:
12:44
